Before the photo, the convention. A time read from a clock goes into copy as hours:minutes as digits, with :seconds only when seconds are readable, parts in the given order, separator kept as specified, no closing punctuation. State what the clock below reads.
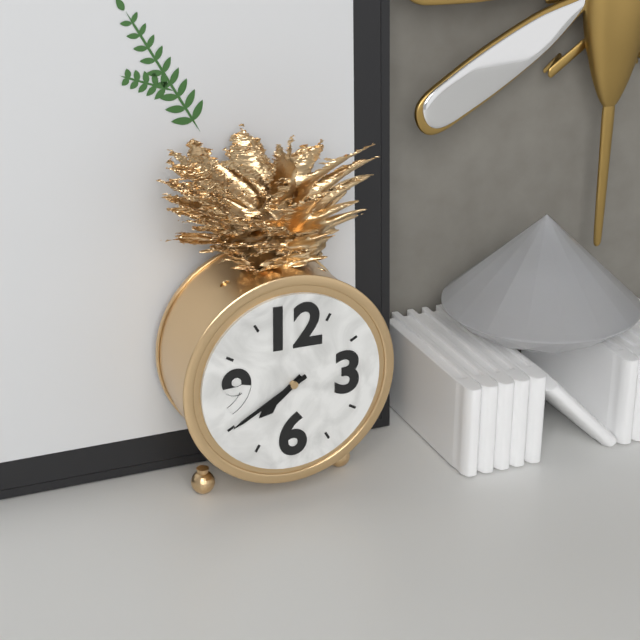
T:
7:40
